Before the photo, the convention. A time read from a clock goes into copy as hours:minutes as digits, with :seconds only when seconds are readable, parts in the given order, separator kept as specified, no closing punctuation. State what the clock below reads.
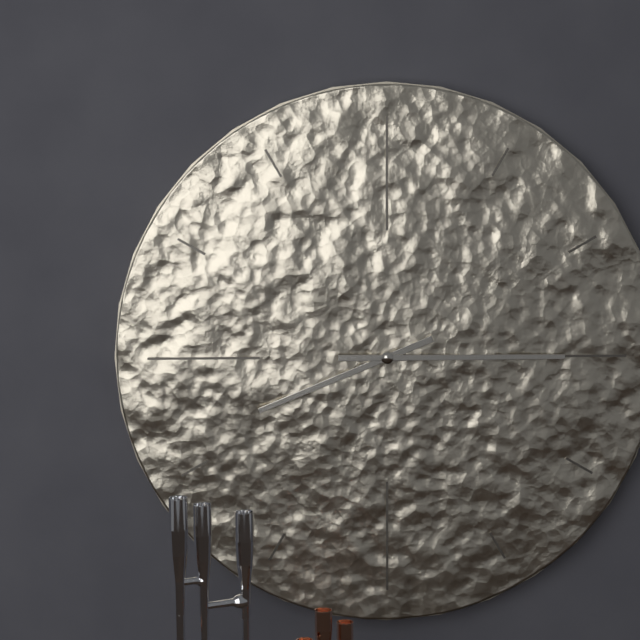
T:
8:15
